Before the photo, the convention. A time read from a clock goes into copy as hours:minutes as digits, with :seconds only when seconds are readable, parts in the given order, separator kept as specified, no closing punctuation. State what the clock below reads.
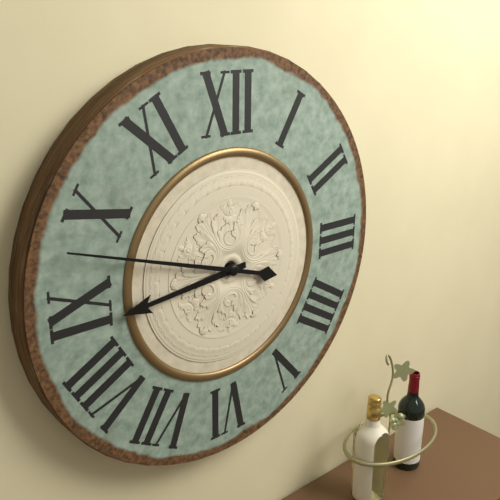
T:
8:48
